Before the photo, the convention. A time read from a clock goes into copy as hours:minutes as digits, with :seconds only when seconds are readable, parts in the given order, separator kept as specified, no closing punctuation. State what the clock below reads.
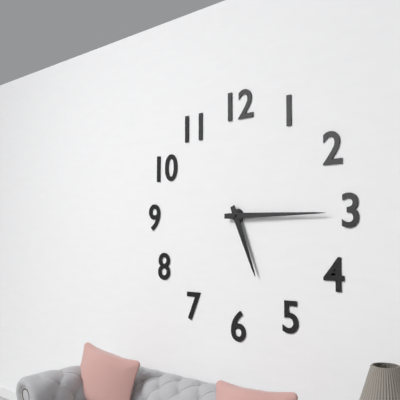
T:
5:15
